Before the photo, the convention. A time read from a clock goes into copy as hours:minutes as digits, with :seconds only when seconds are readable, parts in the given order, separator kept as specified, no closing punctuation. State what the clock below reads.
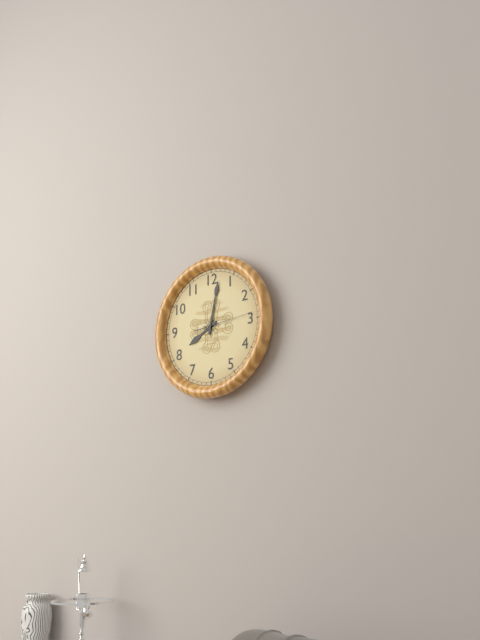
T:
8:02:14
